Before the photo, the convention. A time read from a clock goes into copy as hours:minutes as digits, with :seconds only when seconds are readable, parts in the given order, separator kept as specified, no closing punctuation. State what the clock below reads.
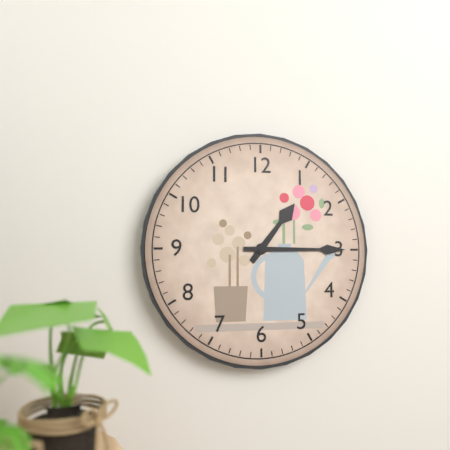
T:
1:15
